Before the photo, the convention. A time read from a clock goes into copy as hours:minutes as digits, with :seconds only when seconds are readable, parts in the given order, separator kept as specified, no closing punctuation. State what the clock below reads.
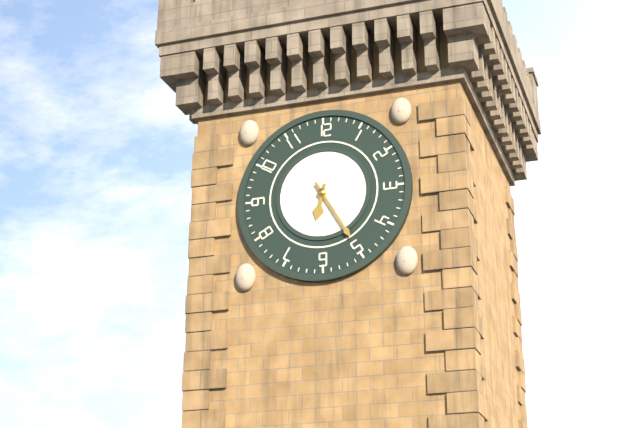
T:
6:25
